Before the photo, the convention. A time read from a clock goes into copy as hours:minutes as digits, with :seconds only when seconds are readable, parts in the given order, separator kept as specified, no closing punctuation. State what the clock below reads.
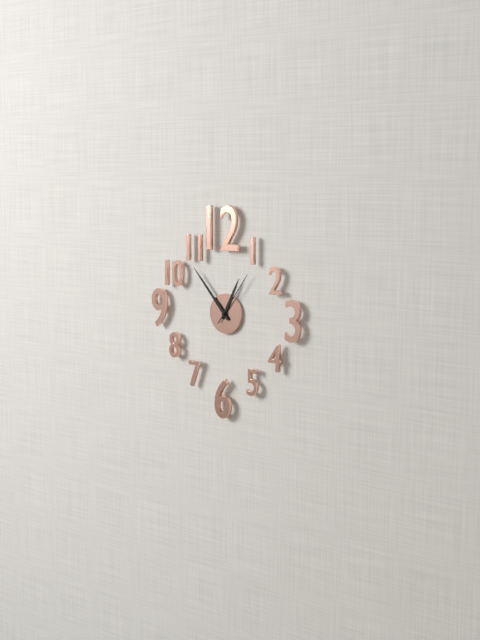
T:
12:53:06
